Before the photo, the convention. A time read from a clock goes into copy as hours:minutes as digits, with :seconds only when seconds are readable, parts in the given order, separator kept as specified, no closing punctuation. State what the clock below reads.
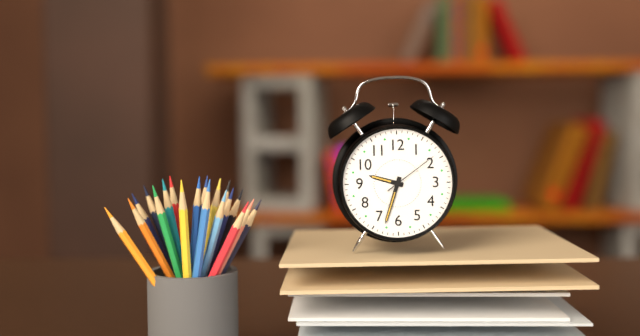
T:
9:33:09
